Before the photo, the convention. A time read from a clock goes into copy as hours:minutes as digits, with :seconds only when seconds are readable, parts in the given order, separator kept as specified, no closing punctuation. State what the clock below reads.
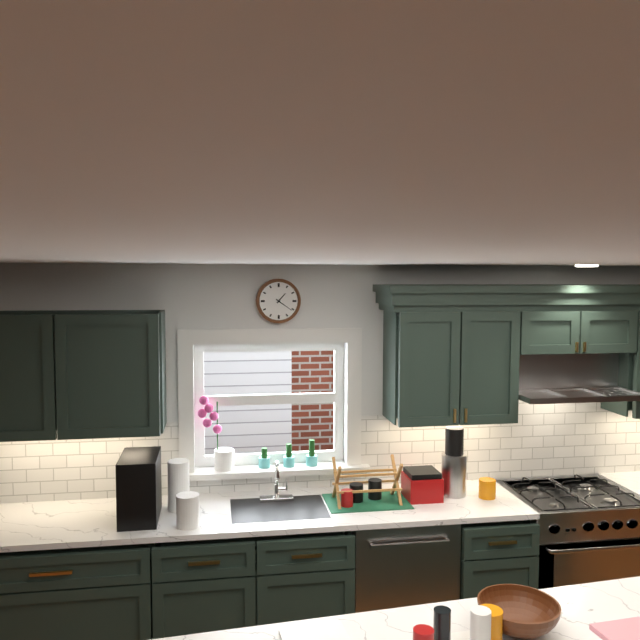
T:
1:21
